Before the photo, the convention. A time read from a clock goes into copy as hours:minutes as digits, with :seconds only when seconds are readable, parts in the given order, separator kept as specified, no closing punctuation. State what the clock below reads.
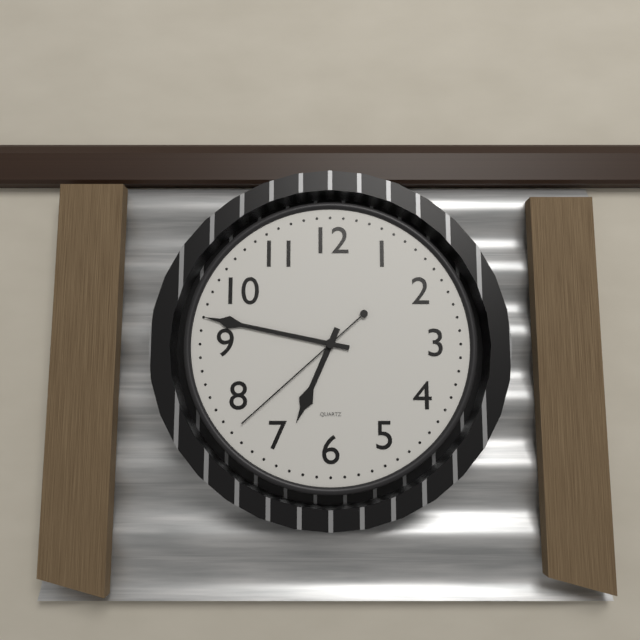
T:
6:47:38
